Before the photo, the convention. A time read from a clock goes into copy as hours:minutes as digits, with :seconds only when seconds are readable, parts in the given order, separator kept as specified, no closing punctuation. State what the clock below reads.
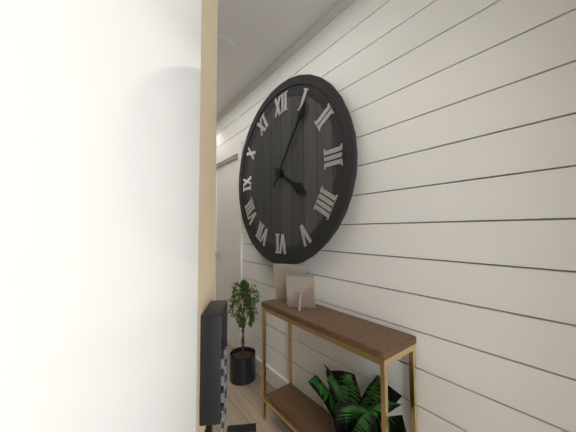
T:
4:06
